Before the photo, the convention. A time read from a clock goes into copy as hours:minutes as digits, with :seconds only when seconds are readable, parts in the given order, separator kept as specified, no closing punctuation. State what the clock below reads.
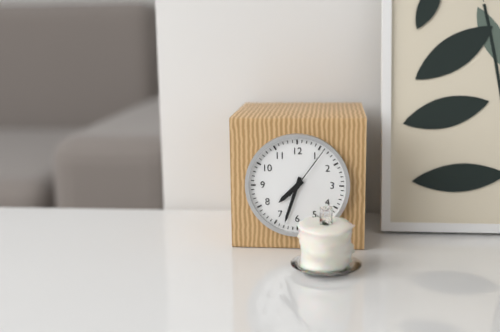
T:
7:33:06
